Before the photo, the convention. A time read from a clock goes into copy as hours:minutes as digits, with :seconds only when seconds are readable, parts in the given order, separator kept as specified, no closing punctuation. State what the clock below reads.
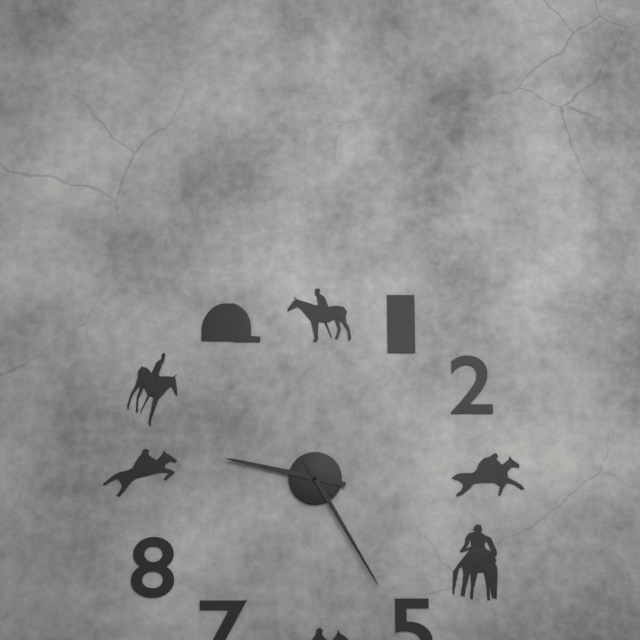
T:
9:25
